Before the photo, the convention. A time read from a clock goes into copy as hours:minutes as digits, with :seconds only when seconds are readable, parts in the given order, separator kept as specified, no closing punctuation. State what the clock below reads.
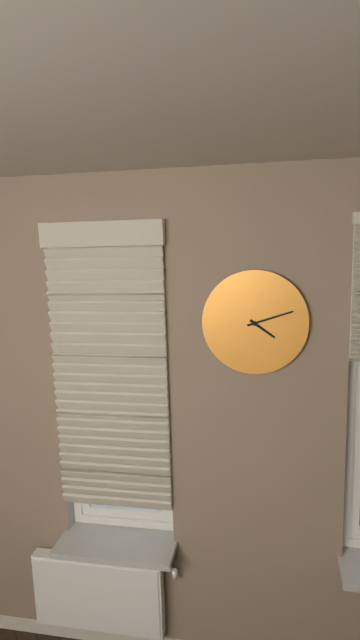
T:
4:12
